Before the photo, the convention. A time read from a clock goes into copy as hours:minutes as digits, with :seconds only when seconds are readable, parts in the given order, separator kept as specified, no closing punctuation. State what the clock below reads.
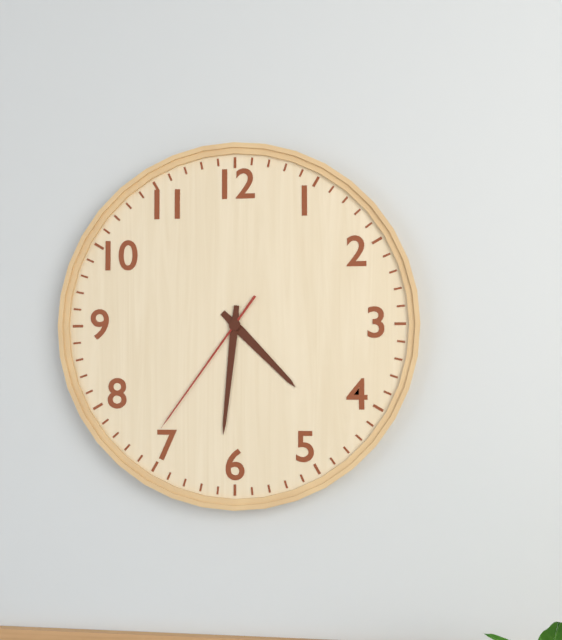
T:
4:31:36
